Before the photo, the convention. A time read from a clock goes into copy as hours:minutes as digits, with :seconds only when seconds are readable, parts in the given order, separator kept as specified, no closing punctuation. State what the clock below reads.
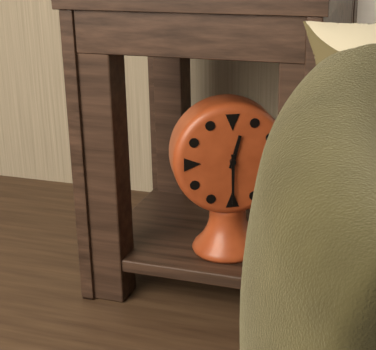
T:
12:30
